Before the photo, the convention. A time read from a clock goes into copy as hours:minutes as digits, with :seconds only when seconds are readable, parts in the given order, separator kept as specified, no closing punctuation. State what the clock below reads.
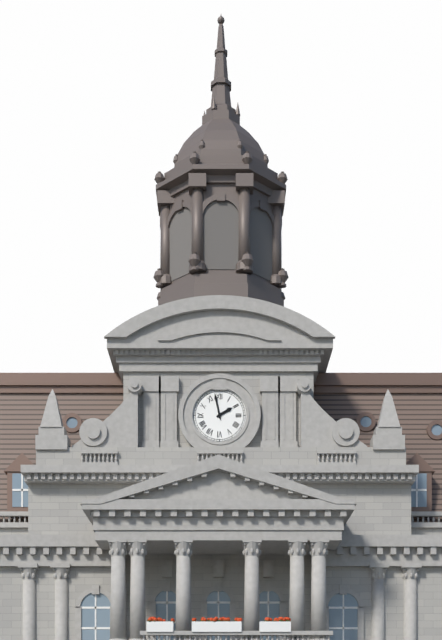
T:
1:58
